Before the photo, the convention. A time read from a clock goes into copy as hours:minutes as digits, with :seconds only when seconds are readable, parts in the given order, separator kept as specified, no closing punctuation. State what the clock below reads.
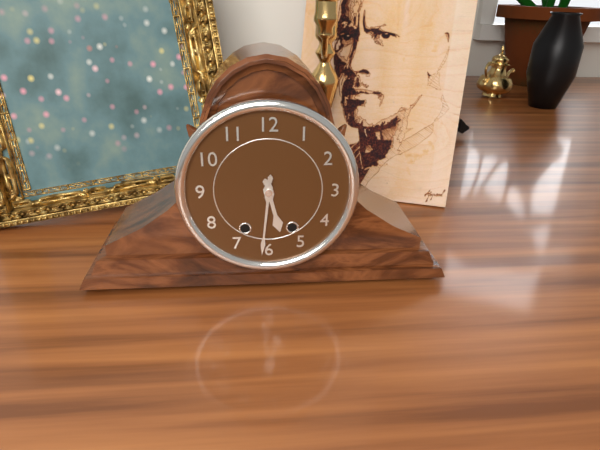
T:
5:31
